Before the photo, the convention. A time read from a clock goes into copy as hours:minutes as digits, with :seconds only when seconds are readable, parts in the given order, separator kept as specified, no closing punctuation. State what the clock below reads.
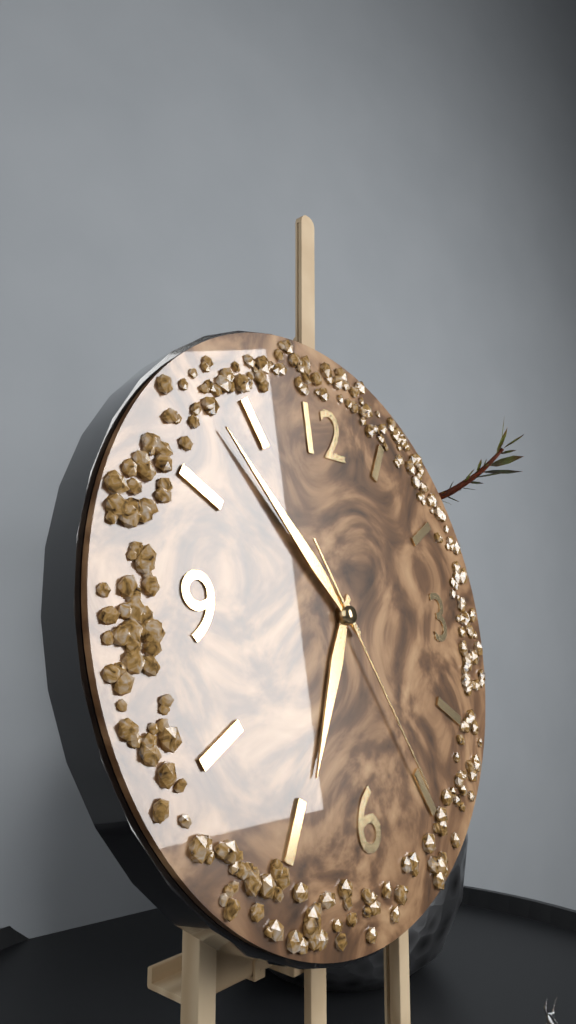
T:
6:53:25
